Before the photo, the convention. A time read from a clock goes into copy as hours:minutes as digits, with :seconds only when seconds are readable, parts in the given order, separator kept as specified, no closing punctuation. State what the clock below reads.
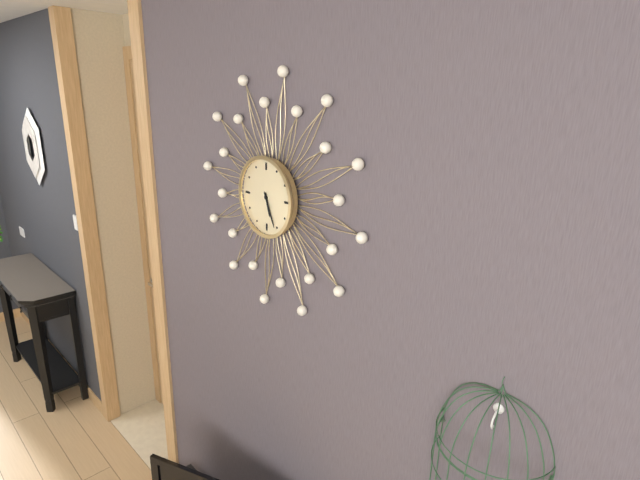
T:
5:26
